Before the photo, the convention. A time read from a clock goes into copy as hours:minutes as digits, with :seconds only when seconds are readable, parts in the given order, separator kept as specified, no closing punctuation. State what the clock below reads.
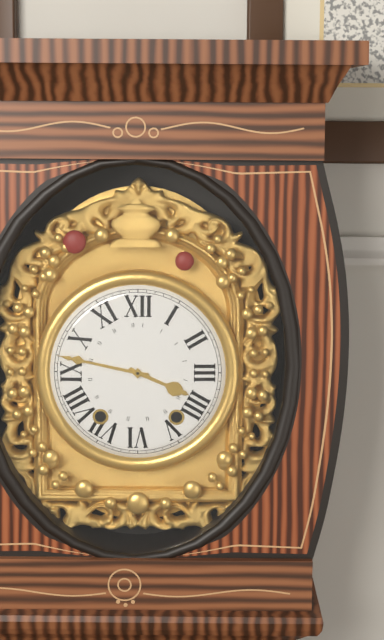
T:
3:47
